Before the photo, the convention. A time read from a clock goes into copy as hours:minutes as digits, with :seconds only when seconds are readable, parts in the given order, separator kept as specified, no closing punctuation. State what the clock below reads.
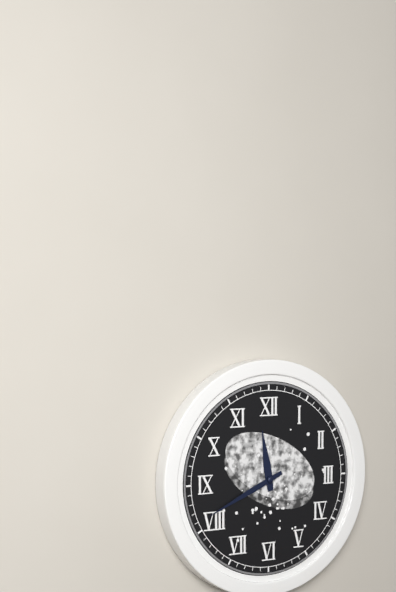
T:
11:41
